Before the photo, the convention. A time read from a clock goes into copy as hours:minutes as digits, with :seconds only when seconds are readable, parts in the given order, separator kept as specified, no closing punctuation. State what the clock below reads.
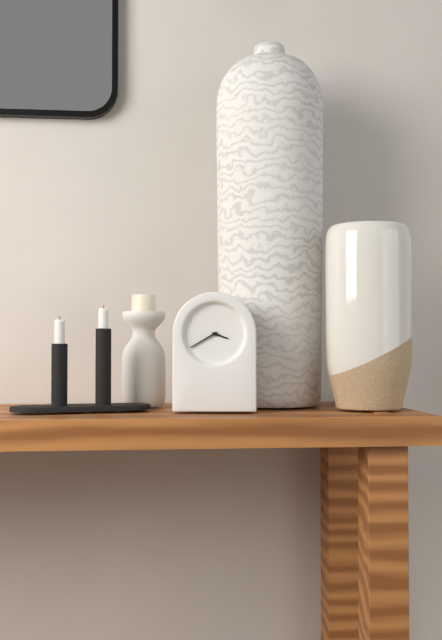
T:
3:40
